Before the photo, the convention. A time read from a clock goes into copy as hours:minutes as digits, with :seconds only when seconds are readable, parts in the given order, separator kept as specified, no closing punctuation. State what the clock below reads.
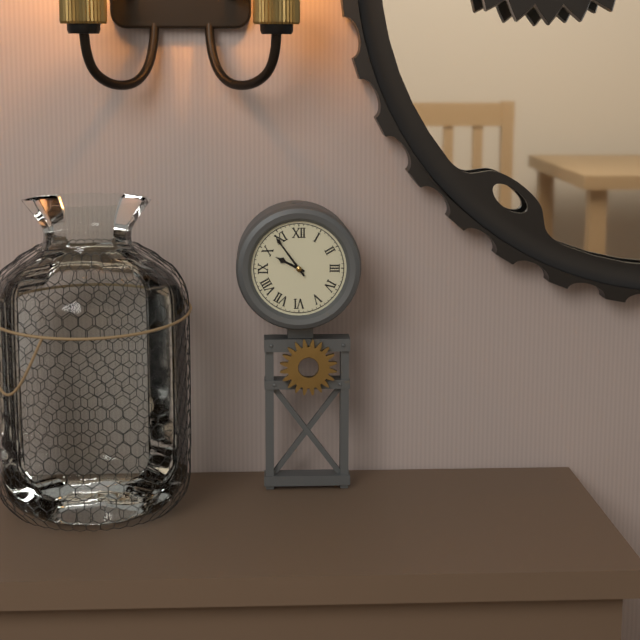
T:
9:54
